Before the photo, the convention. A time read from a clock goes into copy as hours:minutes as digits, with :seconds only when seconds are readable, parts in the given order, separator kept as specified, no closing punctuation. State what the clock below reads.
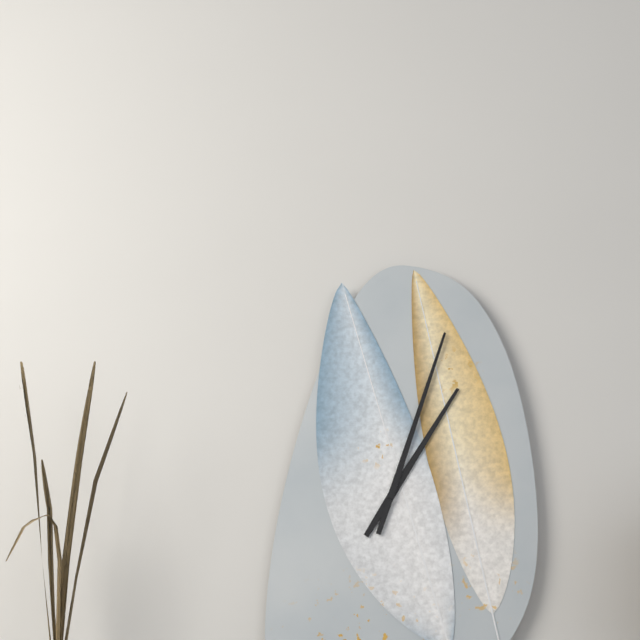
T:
1:03
